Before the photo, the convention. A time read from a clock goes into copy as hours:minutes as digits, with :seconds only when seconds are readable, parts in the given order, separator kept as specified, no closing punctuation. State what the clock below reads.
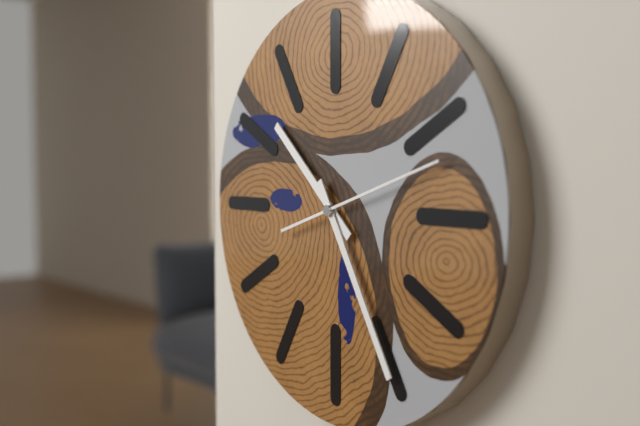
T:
10:25:12
